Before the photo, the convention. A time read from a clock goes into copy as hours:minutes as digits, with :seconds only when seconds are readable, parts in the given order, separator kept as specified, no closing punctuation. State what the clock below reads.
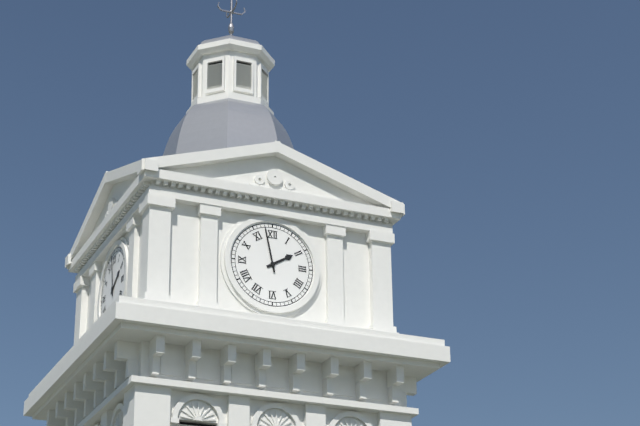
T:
1:58
